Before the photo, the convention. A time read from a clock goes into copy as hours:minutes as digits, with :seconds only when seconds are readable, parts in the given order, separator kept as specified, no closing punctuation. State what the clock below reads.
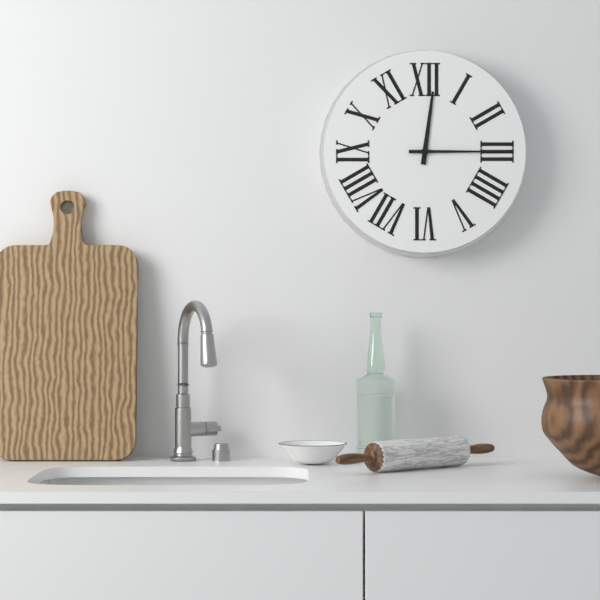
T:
12:15
